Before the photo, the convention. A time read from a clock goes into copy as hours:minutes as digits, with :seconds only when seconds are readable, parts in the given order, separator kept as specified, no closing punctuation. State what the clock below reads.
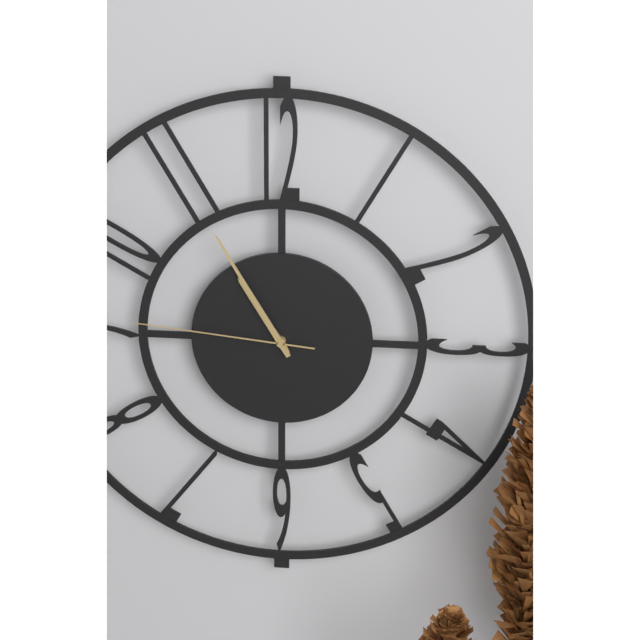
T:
10:55:46
